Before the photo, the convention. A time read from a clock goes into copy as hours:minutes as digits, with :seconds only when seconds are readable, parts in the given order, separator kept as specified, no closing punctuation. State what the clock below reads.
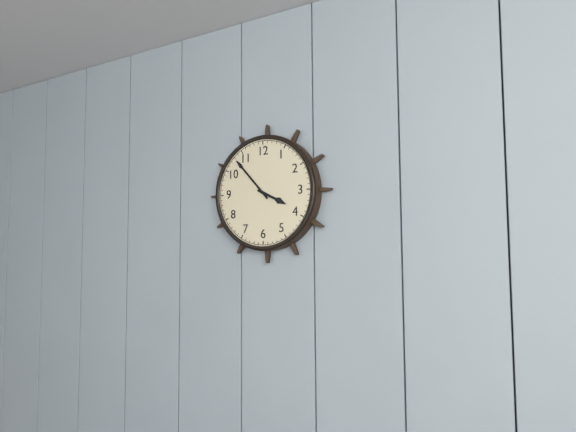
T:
3:53
